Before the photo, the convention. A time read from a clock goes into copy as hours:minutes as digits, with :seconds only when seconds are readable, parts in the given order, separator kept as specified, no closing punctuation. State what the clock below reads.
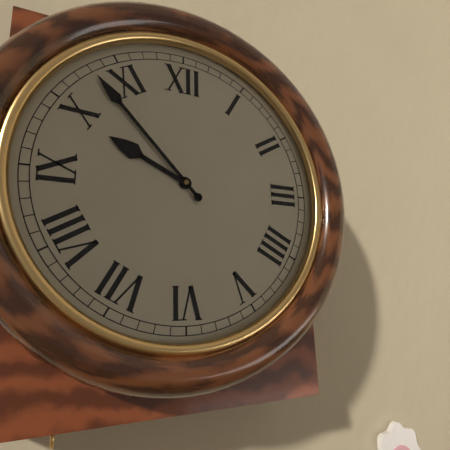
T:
9:53
